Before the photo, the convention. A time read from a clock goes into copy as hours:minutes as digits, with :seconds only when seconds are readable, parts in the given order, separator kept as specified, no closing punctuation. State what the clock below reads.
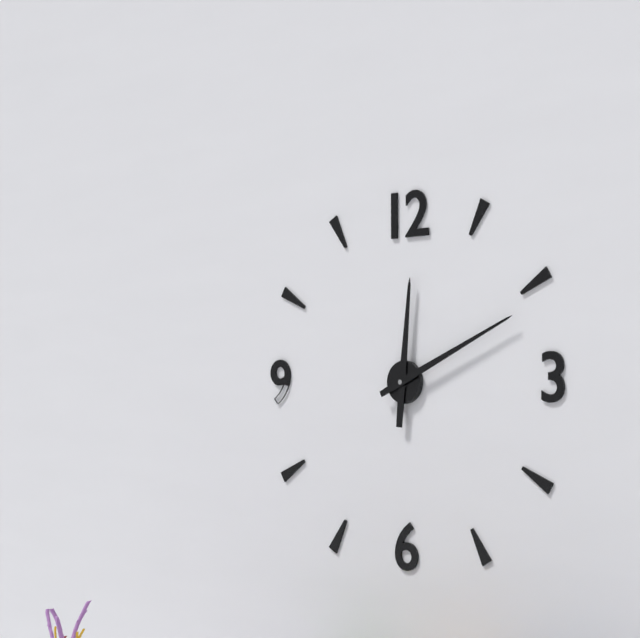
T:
12:11
